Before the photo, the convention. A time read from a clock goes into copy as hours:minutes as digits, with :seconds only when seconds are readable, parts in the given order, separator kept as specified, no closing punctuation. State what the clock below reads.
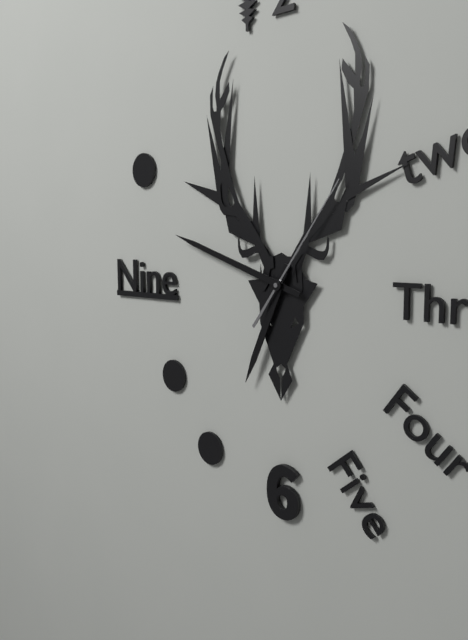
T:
6:48:06
